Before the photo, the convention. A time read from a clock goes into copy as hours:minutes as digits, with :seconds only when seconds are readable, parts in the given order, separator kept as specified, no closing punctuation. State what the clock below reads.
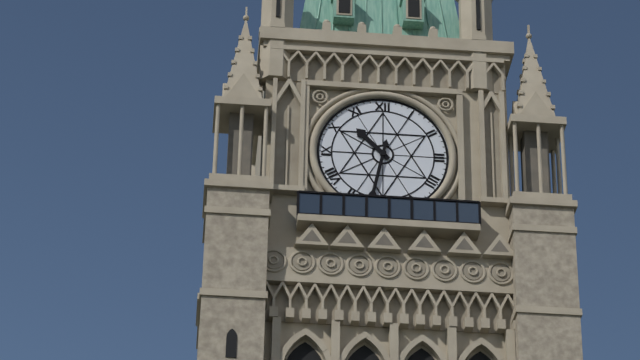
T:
10:32
